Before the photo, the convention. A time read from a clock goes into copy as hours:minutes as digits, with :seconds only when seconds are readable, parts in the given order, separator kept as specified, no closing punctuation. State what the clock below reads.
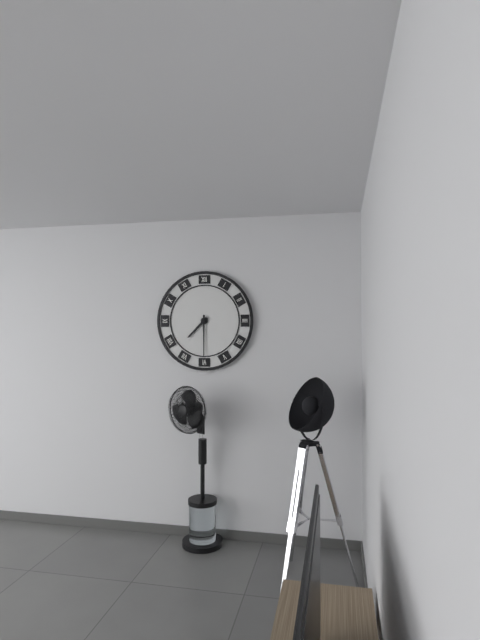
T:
7:30
